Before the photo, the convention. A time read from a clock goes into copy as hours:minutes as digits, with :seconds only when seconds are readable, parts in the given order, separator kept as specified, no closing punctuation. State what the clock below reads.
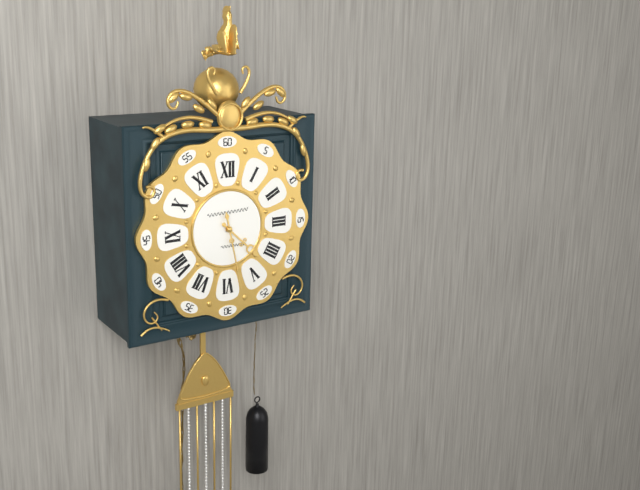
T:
4:28
